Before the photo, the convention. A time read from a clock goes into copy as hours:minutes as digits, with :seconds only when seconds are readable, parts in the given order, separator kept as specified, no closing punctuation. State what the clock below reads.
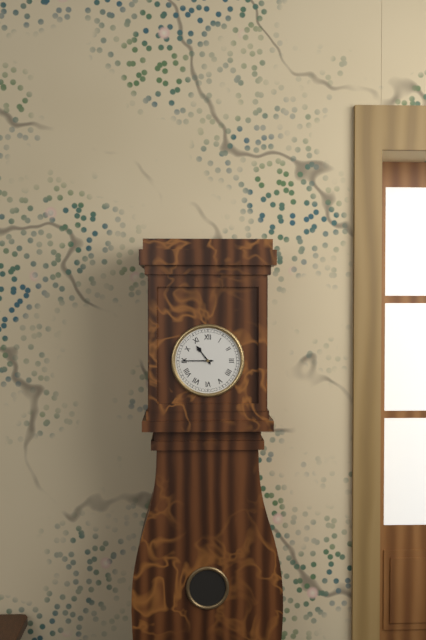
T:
10:45
